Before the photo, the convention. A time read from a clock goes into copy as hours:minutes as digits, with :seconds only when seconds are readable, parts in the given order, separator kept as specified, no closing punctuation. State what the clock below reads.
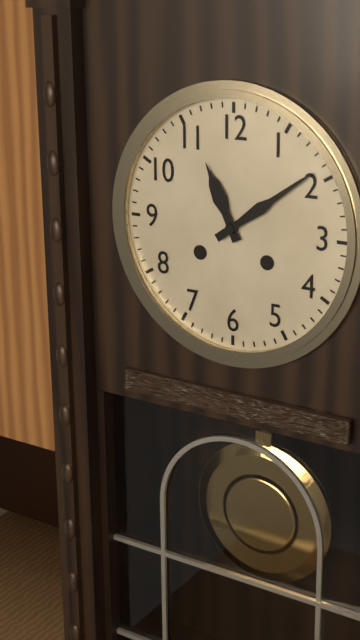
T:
11:09
